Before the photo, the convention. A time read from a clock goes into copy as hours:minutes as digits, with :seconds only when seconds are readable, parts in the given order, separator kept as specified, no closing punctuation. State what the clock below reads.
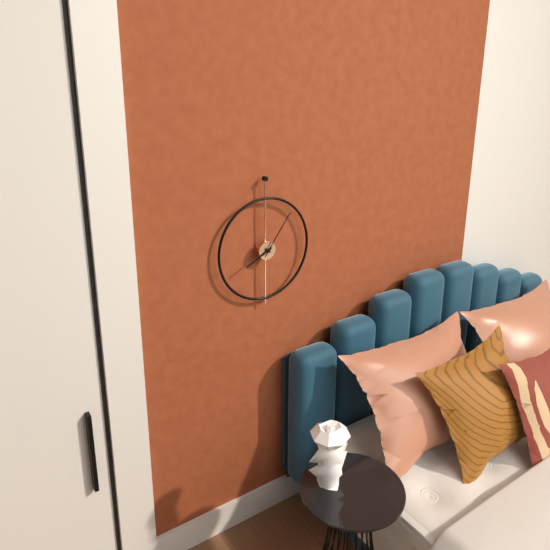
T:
8:06
